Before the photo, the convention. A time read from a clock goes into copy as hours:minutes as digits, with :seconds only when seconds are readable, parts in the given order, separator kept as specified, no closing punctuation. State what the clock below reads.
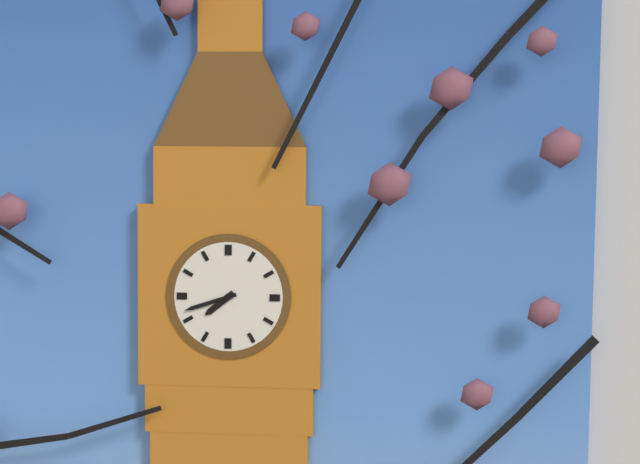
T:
7:42
